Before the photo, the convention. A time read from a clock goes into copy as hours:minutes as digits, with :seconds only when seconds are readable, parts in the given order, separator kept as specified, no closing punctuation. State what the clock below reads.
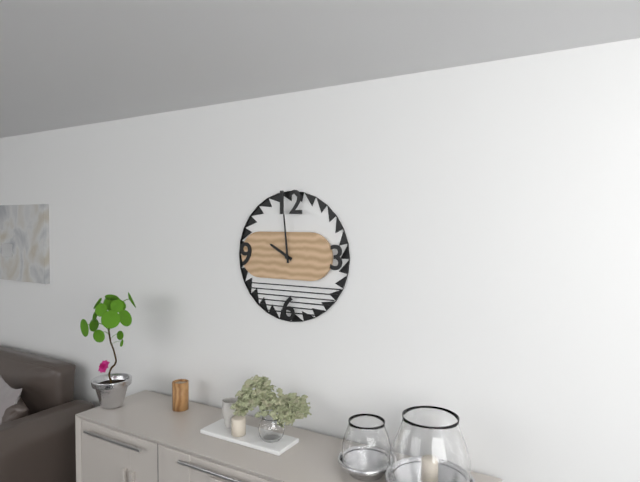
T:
9:59
